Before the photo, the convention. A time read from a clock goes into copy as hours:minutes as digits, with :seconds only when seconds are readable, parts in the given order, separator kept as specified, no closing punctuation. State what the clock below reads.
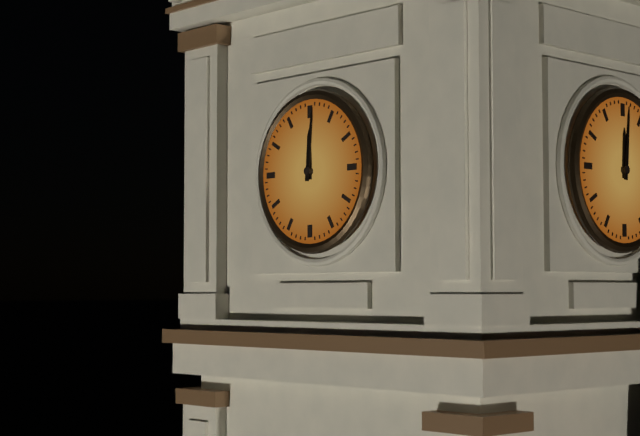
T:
12:01
